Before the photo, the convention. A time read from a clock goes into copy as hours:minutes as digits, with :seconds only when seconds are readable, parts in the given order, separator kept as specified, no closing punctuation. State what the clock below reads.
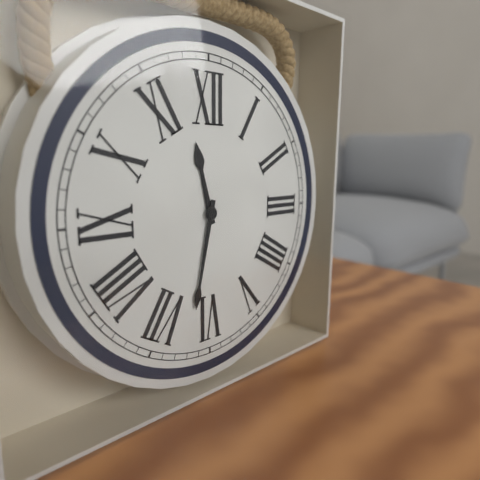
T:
11:32
